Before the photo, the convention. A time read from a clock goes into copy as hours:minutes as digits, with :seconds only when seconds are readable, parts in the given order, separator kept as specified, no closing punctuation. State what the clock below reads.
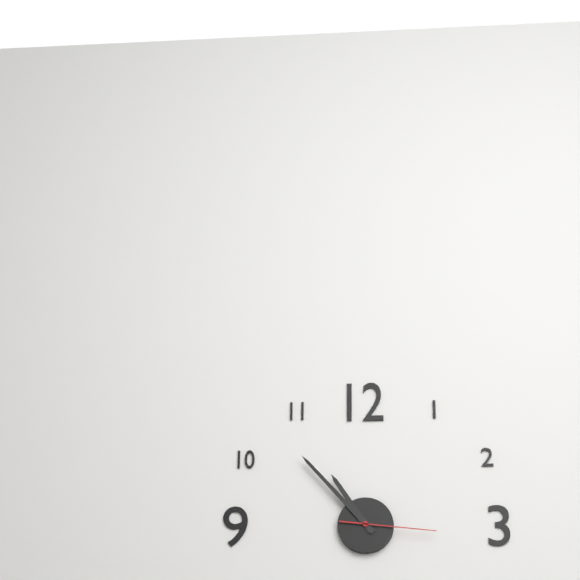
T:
10:53:16
